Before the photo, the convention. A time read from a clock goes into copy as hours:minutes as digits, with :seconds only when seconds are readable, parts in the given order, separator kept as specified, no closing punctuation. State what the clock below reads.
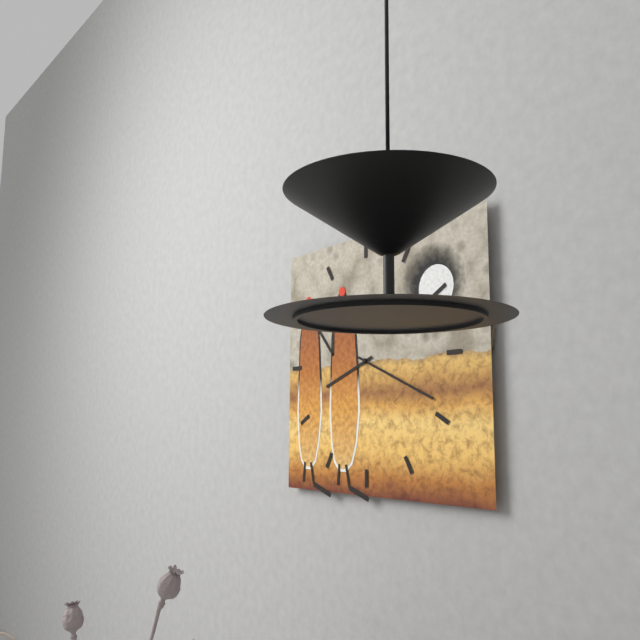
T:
8:19
